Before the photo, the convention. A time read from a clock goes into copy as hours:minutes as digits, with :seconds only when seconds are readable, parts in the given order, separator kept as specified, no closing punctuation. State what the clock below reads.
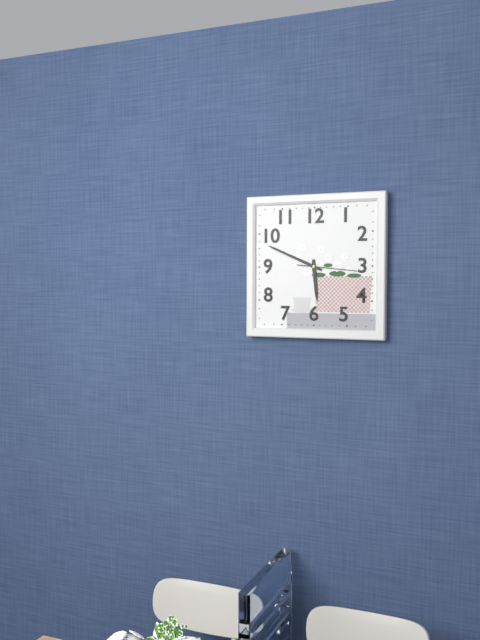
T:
5:49:16
